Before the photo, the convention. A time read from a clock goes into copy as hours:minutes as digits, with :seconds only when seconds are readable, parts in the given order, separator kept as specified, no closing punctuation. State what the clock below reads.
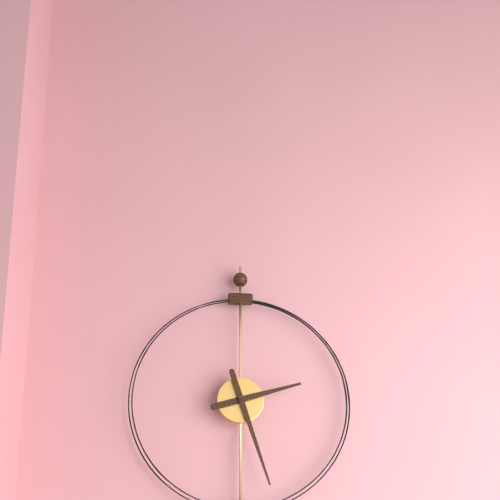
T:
2:27
